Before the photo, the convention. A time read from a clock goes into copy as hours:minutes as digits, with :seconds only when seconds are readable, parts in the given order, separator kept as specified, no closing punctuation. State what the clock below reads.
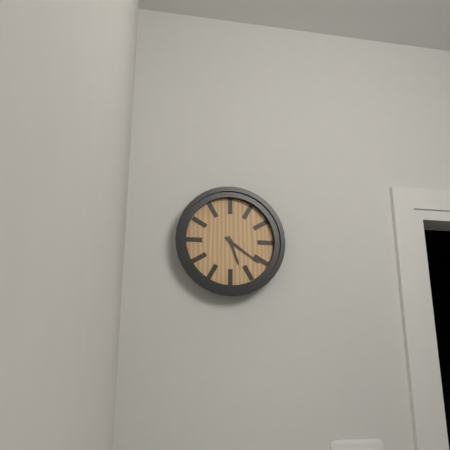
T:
5:21
